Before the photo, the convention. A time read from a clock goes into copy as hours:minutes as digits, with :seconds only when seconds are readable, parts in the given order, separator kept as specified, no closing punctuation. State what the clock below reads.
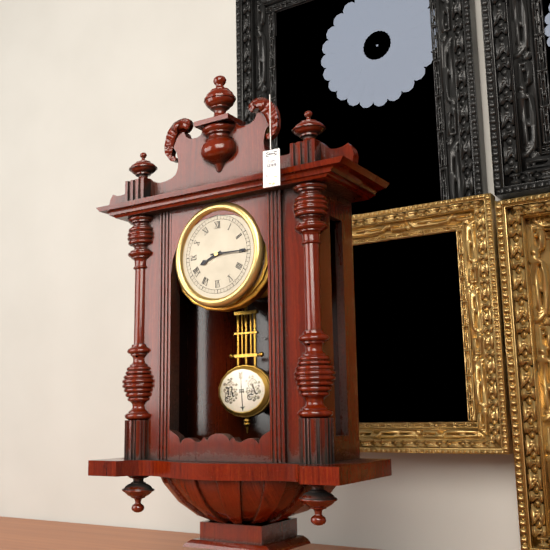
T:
8:15
